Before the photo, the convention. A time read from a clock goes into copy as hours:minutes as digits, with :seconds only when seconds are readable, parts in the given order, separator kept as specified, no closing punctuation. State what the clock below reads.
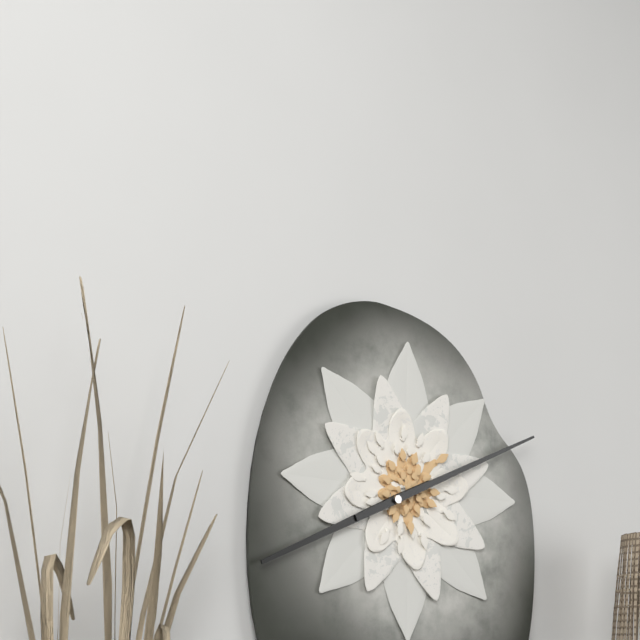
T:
8:11
